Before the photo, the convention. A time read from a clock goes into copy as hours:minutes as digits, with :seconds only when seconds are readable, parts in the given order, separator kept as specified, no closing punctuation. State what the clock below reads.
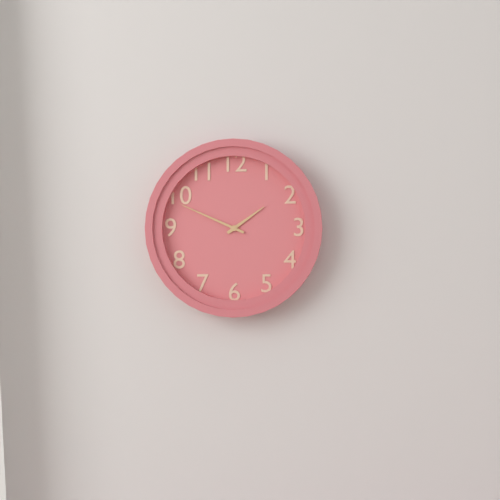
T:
1:49
